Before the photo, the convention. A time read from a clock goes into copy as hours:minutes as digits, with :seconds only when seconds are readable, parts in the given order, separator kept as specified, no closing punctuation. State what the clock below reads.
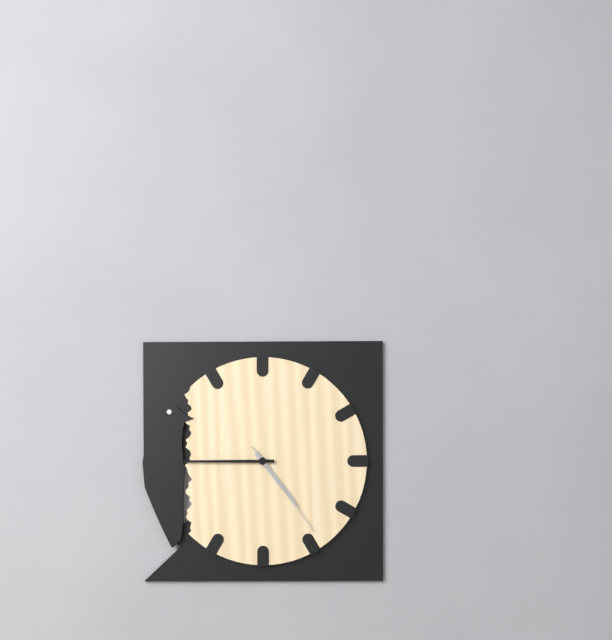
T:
4:45:24
